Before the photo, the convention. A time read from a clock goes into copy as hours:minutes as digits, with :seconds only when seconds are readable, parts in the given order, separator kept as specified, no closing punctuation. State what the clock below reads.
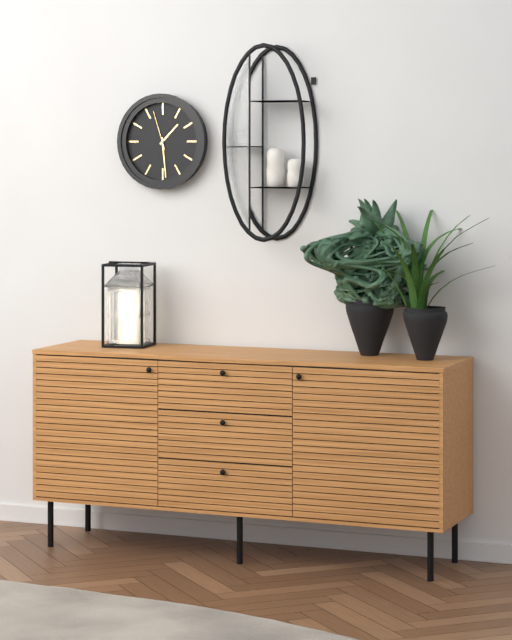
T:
1:29
